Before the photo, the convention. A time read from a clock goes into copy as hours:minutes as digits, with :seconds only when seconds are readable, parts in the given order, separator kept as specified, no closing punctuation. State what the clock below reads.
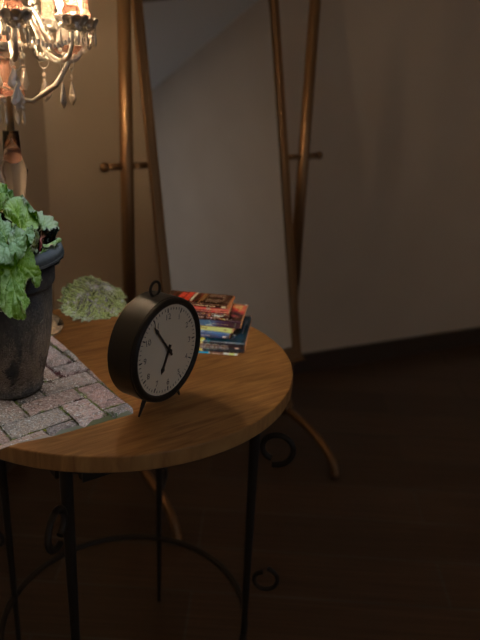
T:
6:54
